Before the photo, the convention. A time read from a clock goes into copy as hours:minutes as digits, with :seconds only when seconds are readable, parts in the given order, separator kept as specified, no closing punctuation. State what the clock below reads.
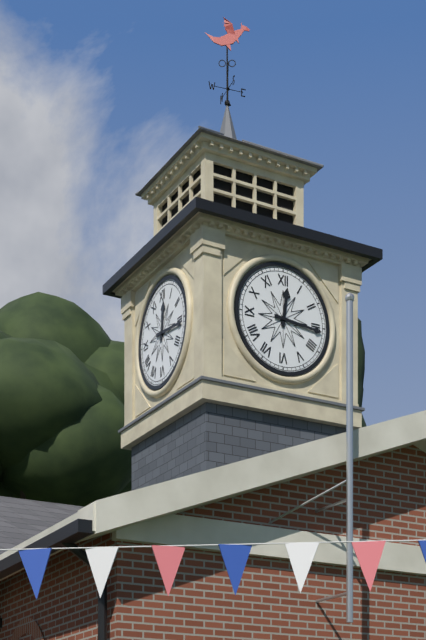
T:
12:16
